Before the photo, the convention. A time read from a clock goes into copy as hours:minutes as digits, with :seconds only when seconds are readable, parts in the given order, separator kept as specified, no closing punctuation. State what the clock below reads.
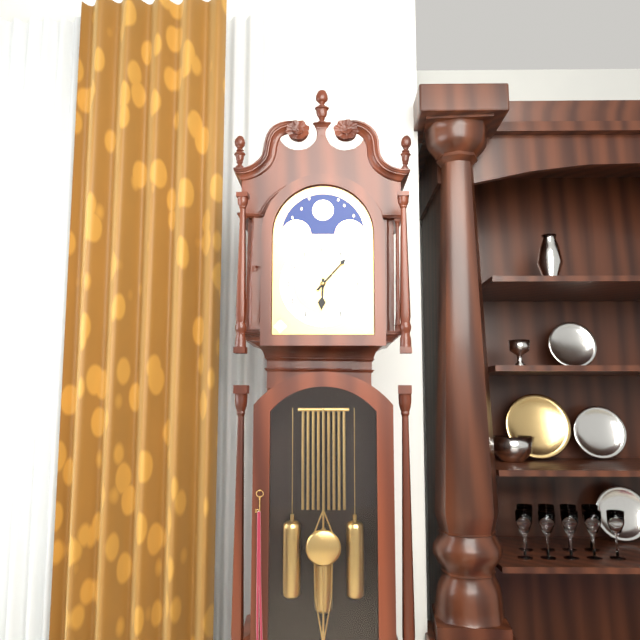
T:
6:07
